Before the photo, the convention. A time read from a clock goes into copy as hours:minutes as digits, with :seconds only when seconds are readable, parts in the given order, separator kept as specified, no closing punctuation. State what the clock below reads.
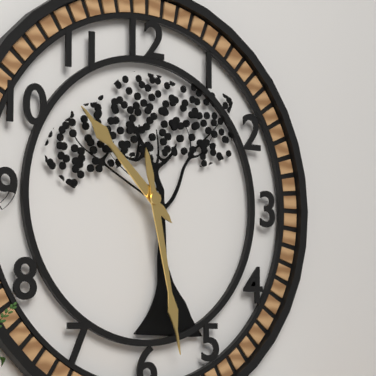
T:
10:28
